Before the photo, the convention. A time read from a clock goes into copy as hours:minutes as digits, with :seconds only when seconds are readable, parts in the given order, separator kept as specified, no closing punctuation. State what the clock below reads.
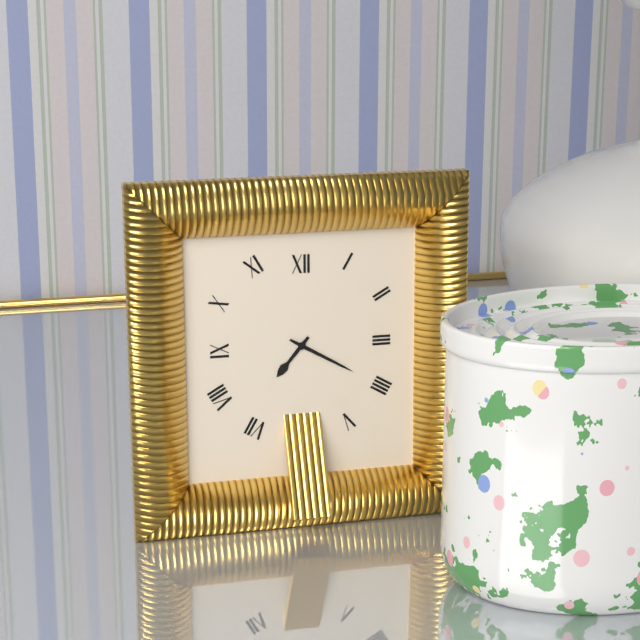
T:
7:20
